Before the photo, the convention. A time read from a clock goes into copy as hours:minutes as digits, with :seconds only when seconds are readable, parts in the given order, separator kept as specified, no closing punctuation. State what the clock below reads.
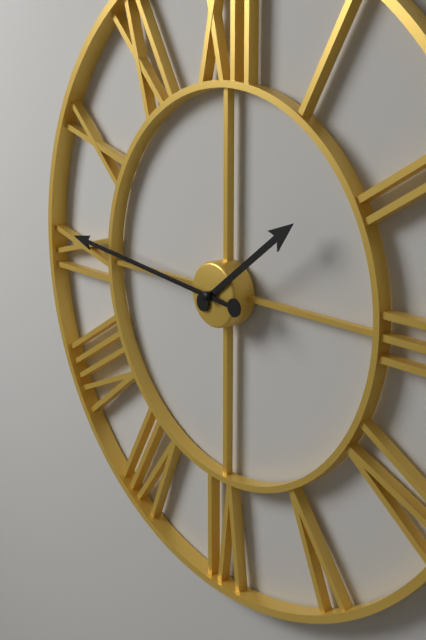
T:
1:46
